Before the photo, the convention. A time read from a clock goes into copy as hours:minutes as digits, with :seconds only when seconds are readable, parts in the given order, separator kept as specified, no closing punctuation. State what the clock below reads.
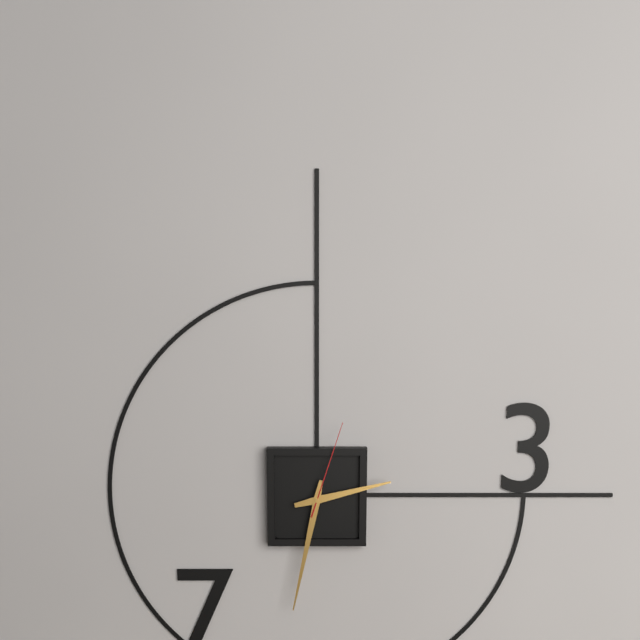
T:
2:32:03
